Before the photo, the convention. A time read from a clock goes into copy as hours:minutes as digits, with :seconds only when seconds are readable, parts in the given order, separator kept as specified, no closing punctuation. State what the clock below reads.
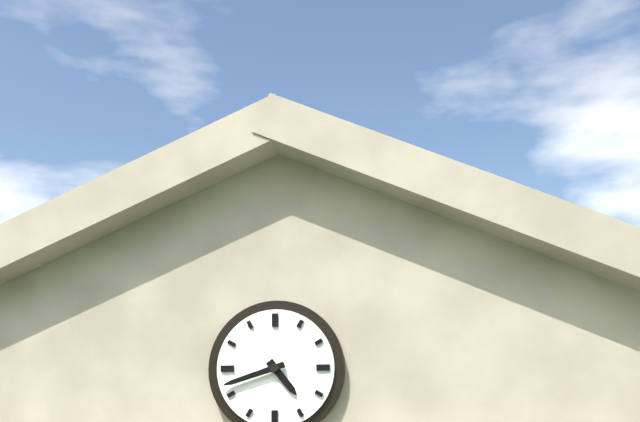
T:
4:42
